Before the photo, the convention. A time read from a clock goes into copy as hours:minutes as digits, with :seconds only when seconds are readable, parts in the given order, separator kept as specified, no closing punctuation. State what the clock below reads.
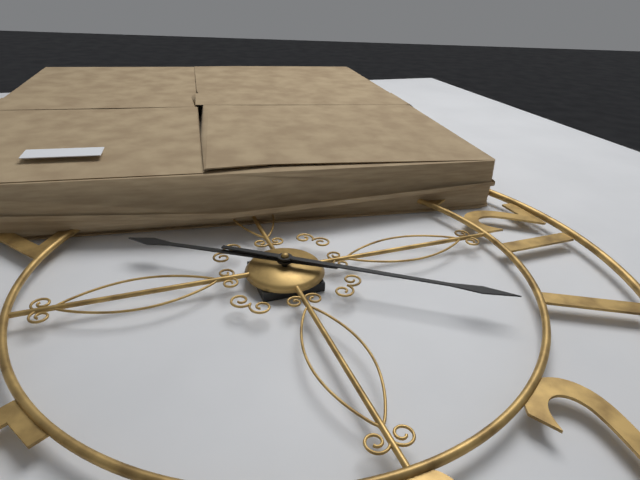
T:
7:06
